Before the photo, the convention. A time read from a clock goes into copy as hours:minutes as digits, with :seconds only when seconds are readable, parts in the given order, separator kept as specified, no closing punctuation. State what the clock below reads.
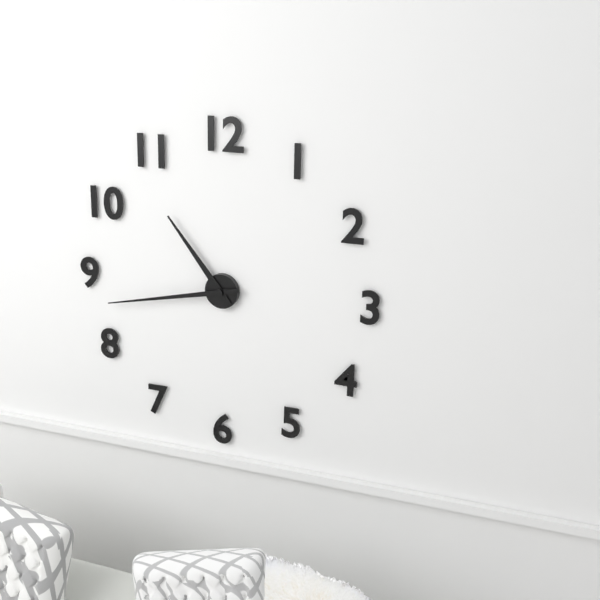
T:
10:43
